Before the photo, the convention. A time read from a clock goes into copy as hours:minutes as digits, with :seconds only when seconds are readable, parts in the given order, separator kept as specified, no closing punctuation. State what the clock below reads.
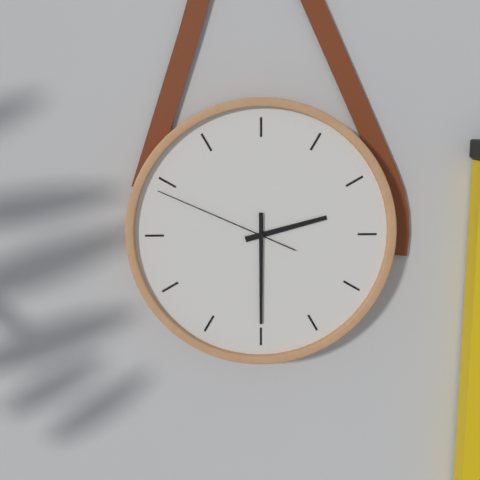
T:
2:30:49
